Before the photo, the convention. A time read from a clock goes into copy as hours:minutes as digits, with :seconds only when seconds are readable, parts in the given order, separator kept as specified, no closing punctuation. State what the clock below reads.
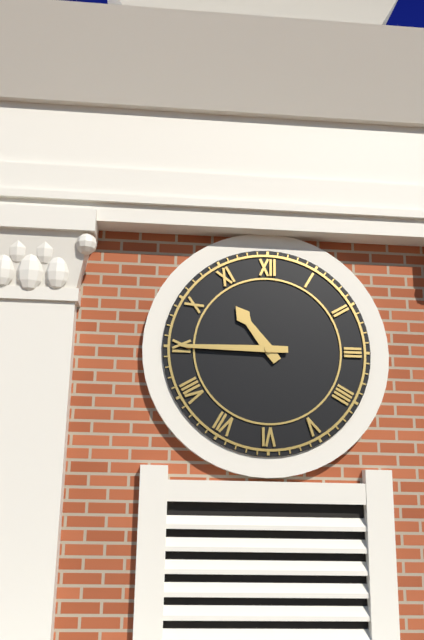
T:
10:45
